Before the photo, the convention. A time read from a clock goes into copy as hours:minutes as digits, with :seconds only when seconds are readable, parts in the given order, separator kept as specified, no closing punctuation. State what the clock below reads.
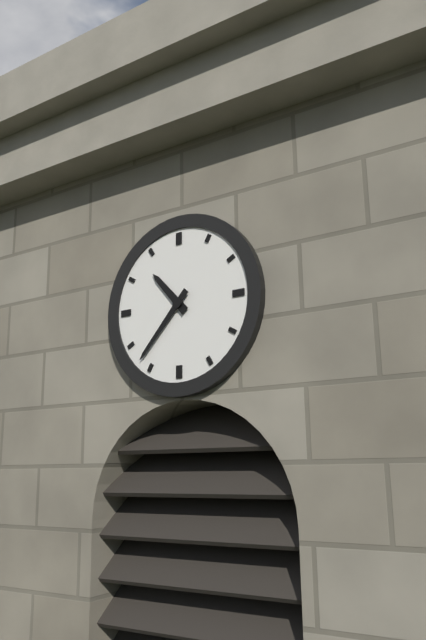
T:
10:37
